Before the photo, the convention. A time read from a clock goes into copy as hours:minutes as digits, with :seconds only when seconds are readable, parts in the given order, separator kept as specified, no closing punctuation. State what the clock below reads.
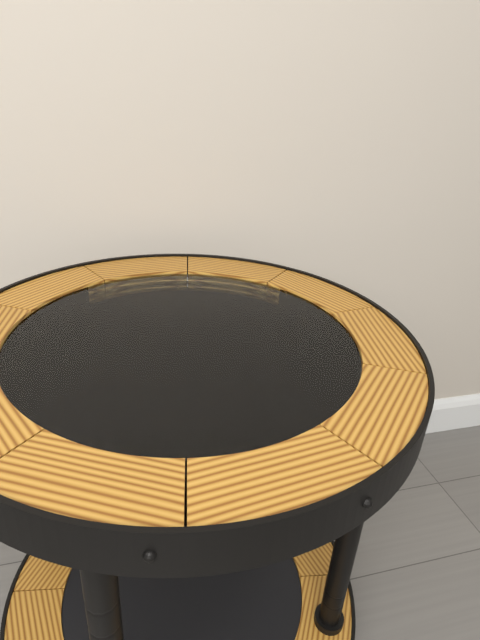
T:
7:11
